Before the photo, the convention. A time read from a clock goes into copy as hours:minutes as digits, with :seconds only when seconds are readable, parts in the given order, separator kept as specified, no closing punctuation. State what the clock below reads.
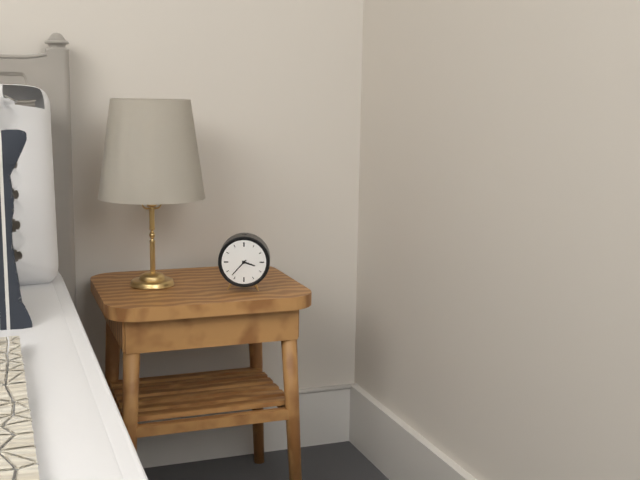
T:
3:37
